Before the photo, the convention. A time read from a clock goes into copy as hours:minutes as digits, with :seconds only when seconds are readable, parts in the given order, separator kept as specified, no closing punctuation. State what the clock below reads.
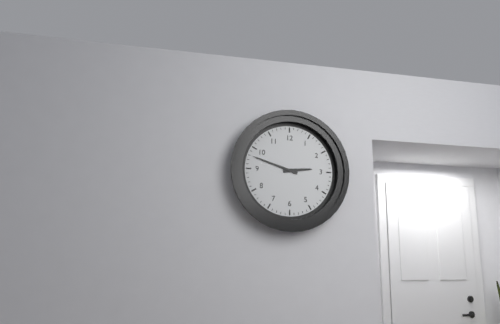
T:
2:48
